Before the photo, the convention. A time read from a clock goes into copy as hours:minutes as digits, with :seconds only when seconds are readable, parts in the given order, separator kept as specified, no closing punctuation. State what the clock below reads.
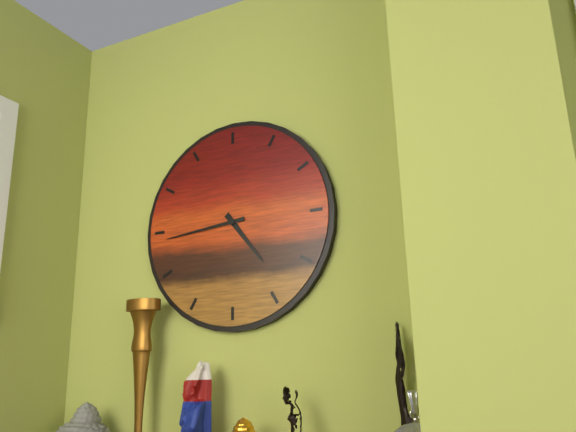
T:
4:44
